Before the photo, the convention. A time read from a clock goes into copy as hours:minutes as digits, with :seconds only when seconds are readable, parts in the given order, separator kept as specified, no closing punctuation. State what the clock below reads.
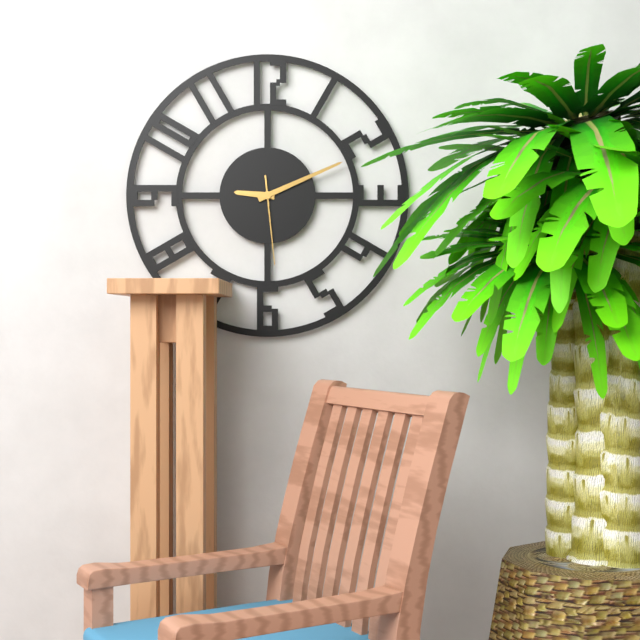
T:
9:11:29
